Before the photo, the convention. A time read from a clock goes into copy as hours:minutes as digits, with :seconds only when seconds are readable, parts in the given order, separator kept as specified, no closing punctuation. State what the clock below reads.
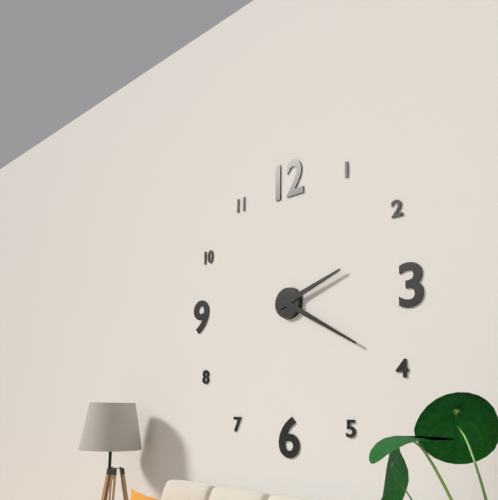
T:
2:20
